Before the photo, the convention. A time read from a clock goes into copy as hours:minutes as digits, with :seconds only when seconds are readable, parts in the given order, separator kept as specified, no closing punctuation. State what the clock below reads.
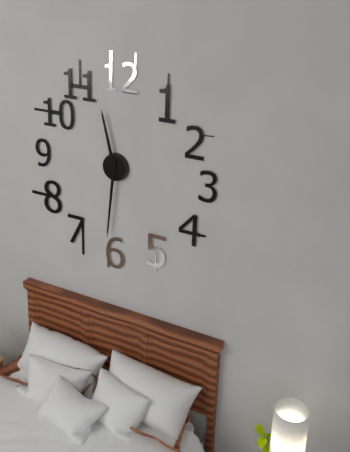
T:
11:31
